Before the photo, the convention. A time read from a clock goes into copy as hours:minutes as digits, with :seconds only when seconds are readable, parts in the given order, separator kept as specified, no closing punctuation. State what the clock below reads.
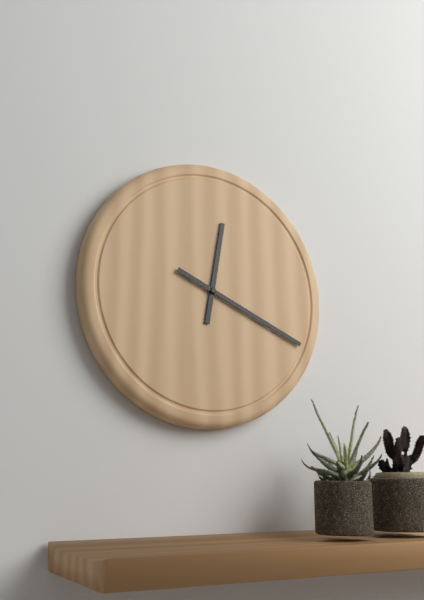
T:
12:19
